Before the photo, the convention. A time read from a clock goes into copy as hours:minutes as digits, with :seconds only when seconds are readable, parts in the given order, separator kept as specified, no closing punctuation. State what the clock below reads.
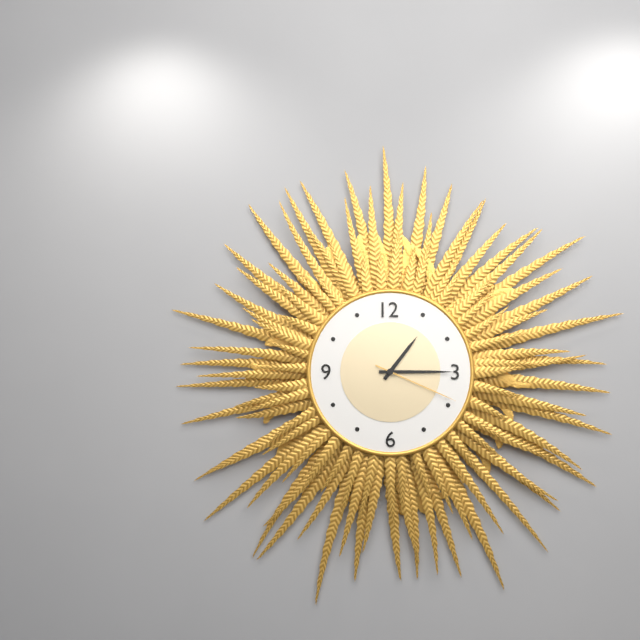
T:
1:15:19
